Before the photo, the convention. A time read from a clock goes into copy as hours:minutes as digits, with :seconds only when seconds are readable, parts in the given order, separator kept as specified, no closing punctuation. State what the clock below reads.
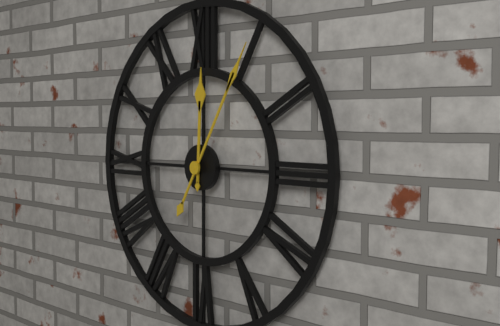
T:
12:05
